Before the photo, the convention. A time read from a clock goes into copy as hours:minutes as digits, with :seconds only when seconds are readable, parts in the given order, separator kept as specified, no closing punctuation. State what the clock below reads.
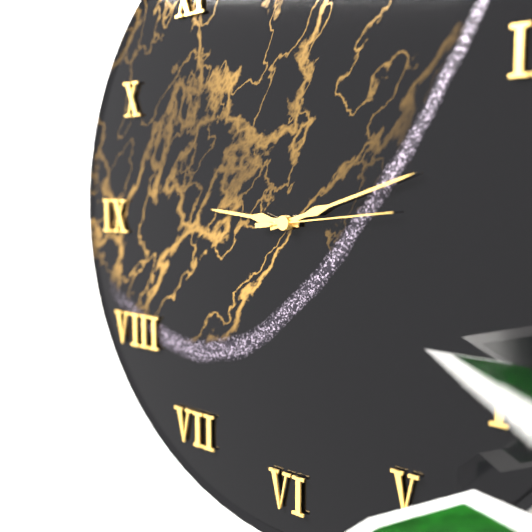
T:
9:12:14
